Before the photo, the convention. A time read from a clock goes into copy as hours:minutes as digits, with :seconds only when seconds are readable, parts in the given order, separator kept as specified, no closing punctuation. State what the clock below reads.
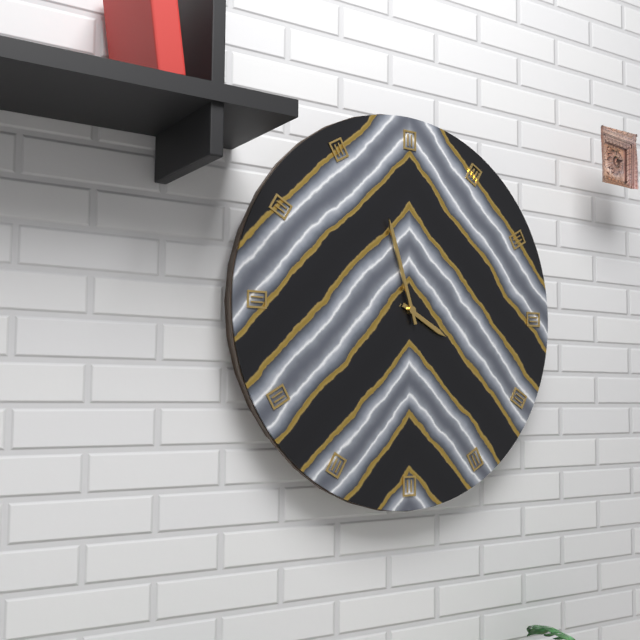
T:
3:57
